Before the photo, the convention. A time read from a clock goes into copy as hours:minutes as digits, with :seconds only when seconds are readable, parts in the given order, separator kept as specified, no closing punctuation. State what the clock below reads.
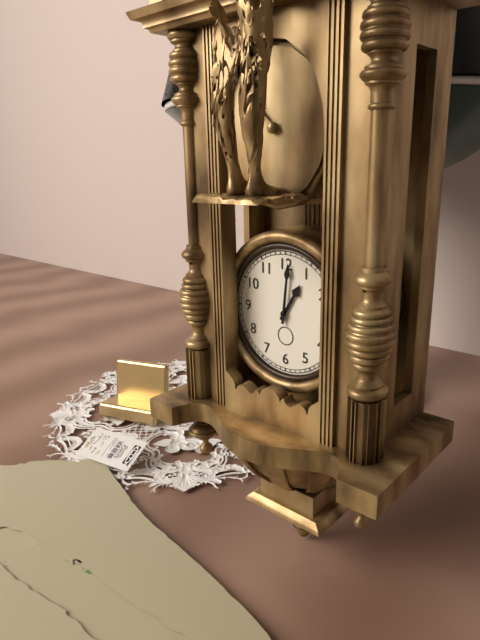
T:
1:01
